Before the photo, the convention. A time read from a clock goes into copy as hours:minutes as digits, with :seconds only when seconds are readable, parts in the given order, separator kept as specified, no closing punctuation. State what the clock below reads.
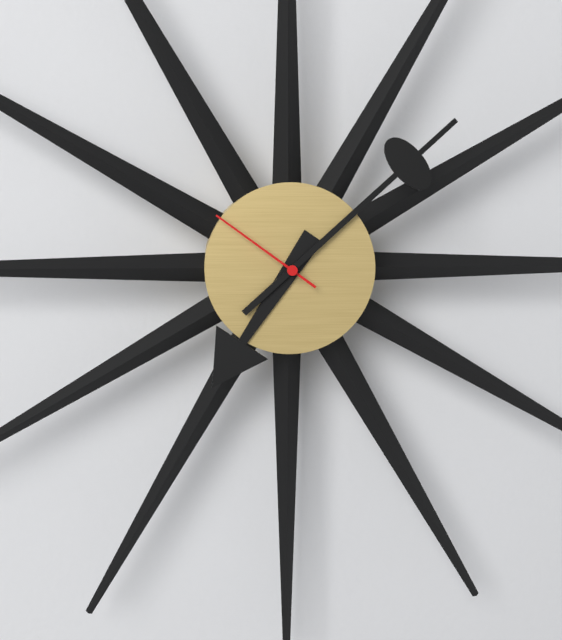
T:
7:08:51
